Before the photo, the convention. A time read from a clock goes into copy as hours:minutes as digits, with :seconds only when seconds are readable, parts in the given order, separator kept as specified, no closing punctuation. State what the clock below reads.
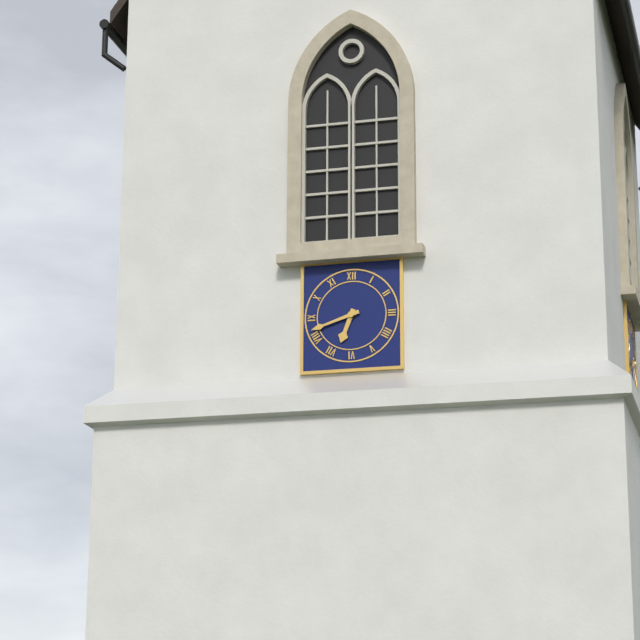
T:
6:42
